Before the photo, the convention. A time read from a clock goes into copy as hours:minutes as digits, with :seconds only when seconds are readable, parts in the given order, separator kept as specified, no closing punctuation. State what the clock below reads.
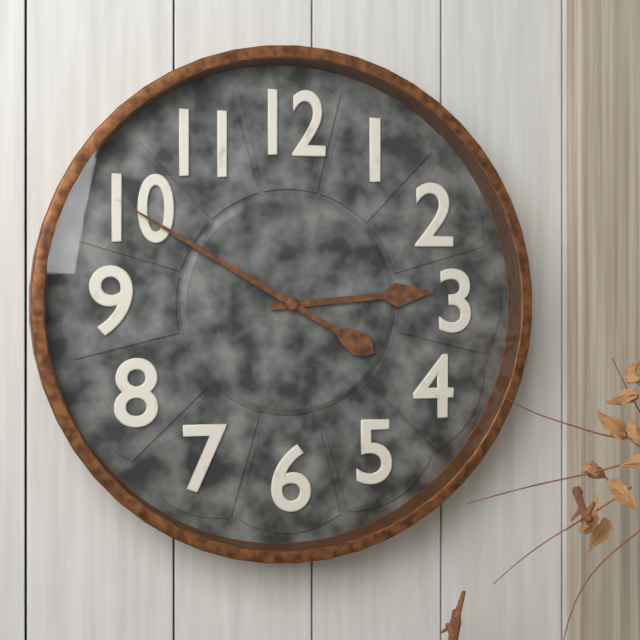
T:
2:50
